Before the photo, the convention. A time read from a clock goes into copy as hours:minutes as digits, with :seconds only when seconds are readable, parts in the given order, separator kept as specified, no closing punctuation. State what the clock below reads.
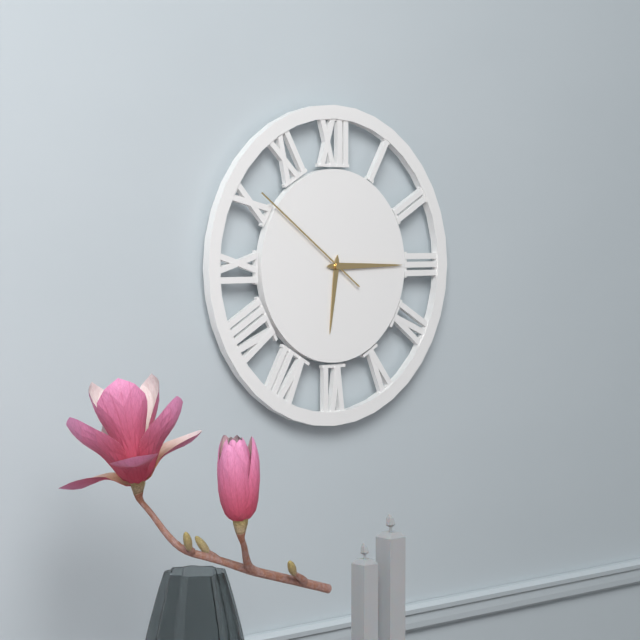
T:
6:15:51
